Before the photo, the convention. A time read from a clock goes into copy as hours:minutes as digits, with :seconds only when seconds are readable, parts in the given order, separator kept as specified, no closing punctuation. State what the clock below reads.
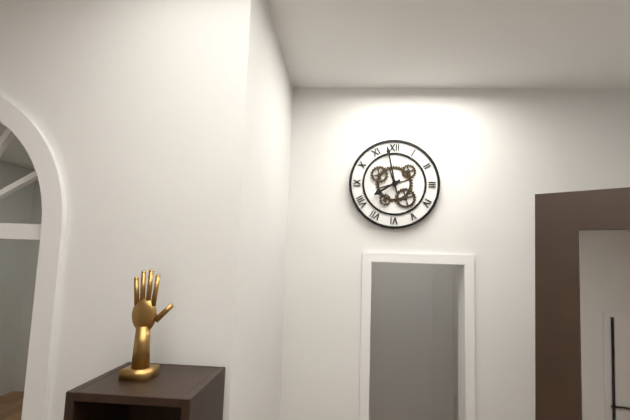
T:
7:58
